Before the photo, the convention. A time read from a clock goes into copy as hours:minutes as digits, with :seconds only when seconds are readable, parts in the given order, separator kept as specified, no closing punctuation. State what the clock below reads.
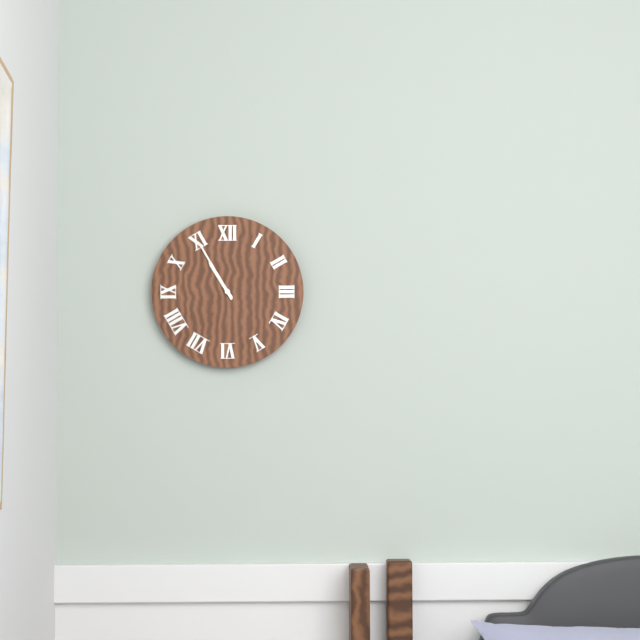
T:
10:55
